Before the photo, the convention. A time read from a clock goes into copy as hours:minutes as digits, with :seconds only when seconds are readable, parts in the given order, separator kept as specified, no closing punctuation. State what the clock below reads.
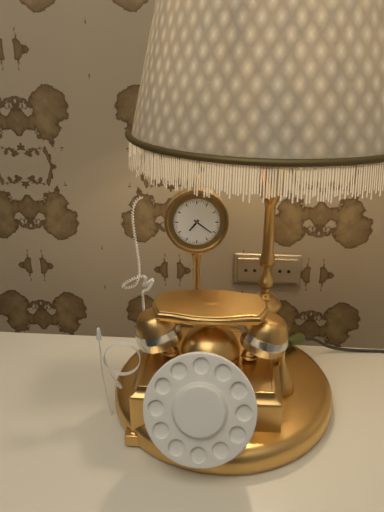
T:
7:21
